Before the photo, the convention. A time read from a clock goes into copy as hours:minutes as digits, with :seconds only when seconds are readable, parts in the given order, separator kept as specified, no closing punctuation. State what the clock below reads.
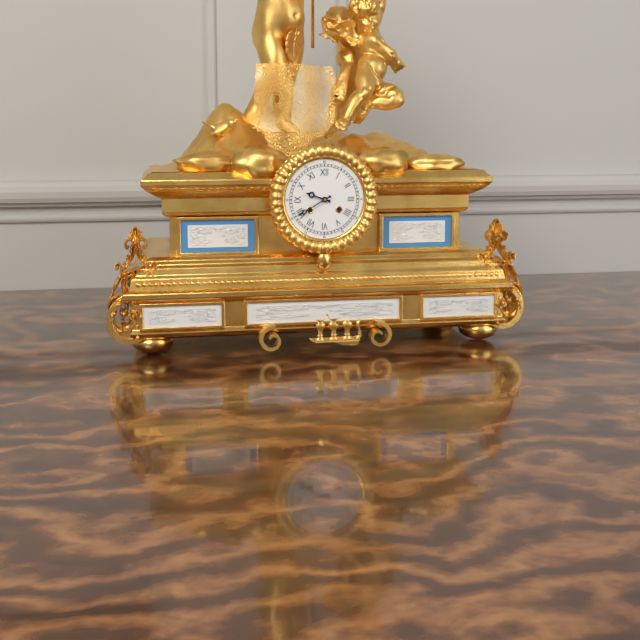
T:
9:40
